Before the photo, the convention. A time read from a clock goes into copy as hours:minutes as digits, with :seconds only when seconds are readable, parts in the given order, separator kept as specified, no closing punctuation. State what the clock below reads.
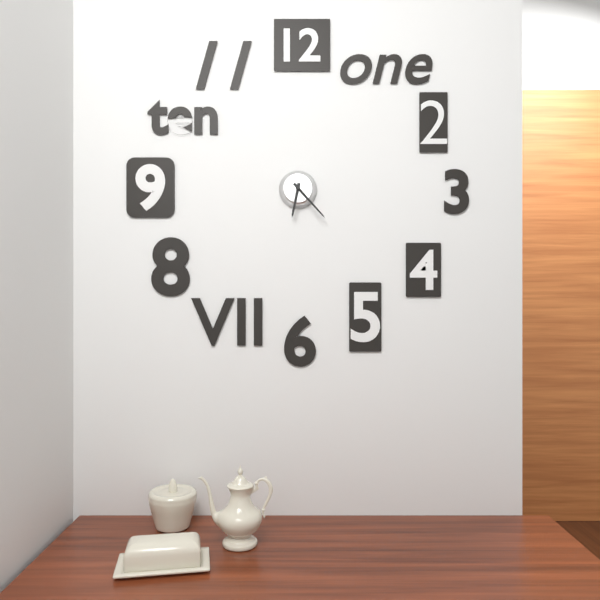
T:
6:23
